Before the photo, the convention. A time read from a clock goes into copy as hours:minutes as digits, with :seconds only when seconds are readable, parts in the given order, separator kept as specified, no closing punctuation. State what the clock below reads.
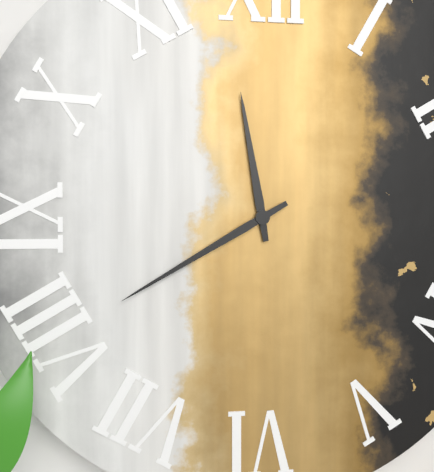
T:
11:40
